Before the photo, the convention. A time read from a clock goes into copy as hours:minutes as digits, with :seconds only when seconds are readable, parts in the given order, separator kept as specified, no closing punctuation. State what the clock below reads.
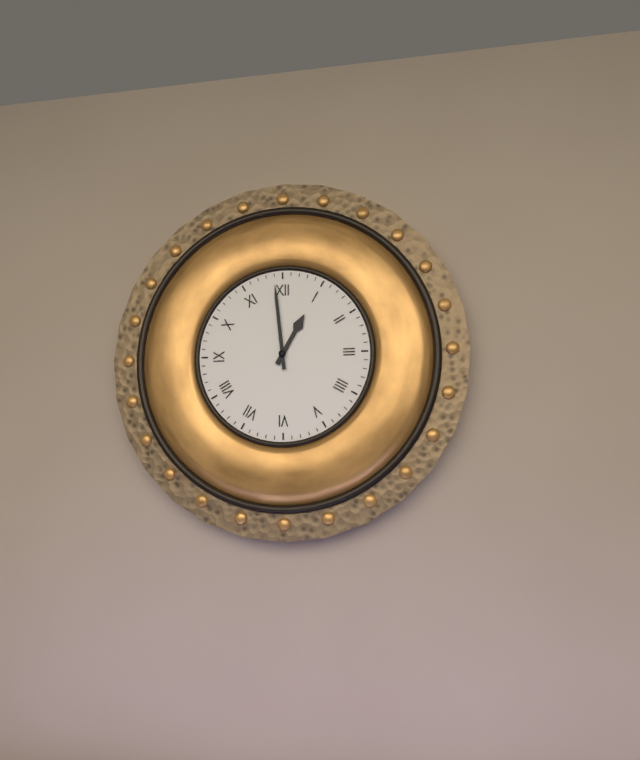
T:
12:59
